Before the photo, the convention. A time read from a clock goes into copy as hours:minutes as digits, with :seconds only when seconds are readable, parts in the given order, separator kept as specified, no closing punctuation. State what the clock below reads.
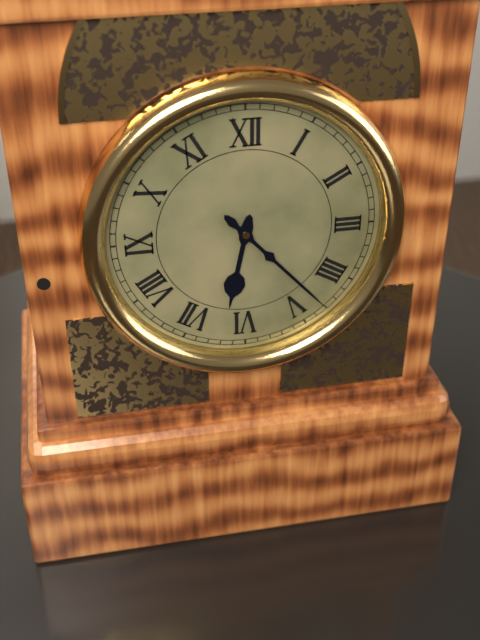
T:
6:23
